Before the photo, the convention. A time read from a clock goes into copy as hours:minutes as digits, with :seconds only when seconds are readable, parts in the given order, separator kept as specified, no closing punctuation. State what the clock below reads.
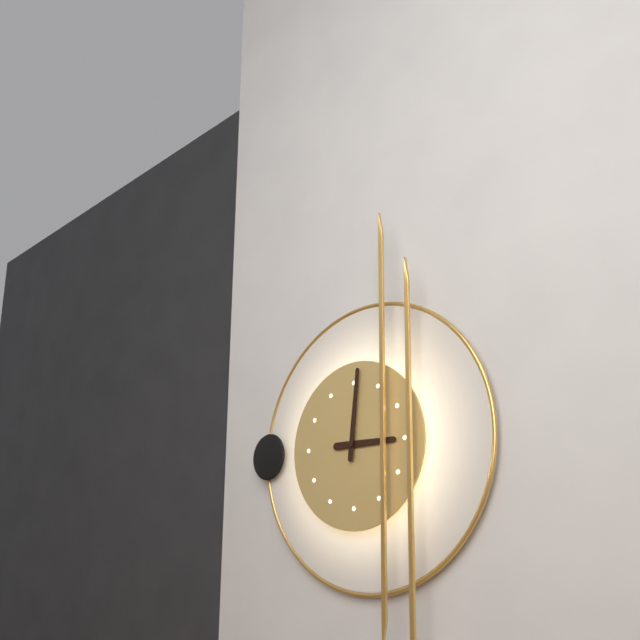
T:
3:01
